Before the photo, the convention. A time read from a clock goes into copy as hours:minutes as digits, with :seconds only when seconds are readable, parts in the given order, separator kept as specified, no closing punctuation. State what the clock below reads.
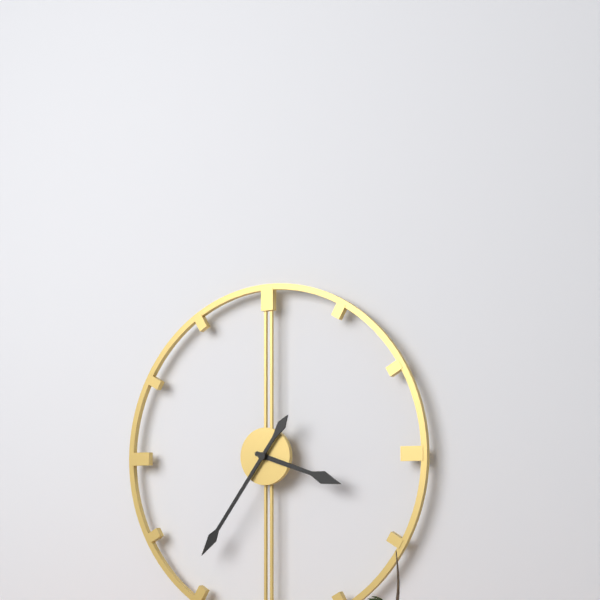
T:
3:36
